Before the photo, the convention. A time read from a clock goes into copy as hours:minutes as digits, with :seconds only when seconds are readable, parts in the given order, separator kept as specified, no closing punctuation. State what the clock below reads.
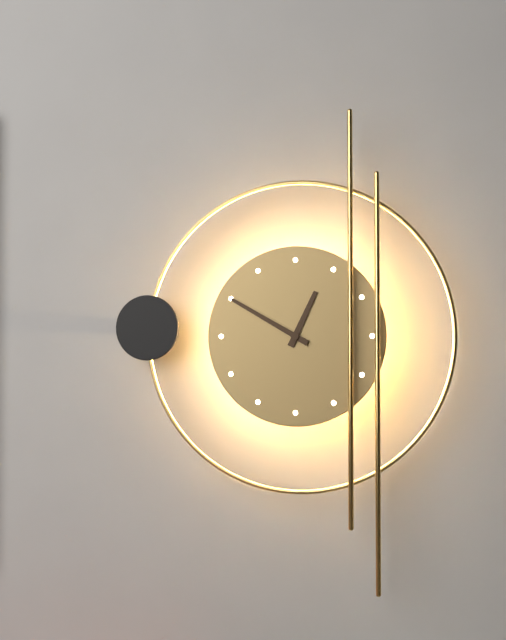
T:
12:50
